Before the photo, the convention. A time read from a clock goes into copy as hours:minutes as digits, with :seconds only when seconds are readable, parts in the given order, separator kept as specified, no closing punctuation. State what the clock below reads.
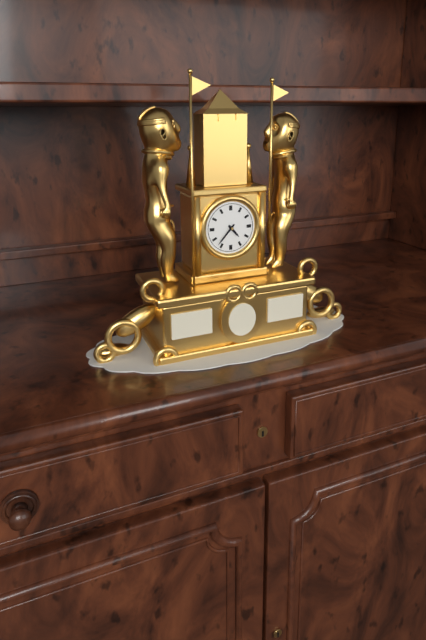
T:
4:37
